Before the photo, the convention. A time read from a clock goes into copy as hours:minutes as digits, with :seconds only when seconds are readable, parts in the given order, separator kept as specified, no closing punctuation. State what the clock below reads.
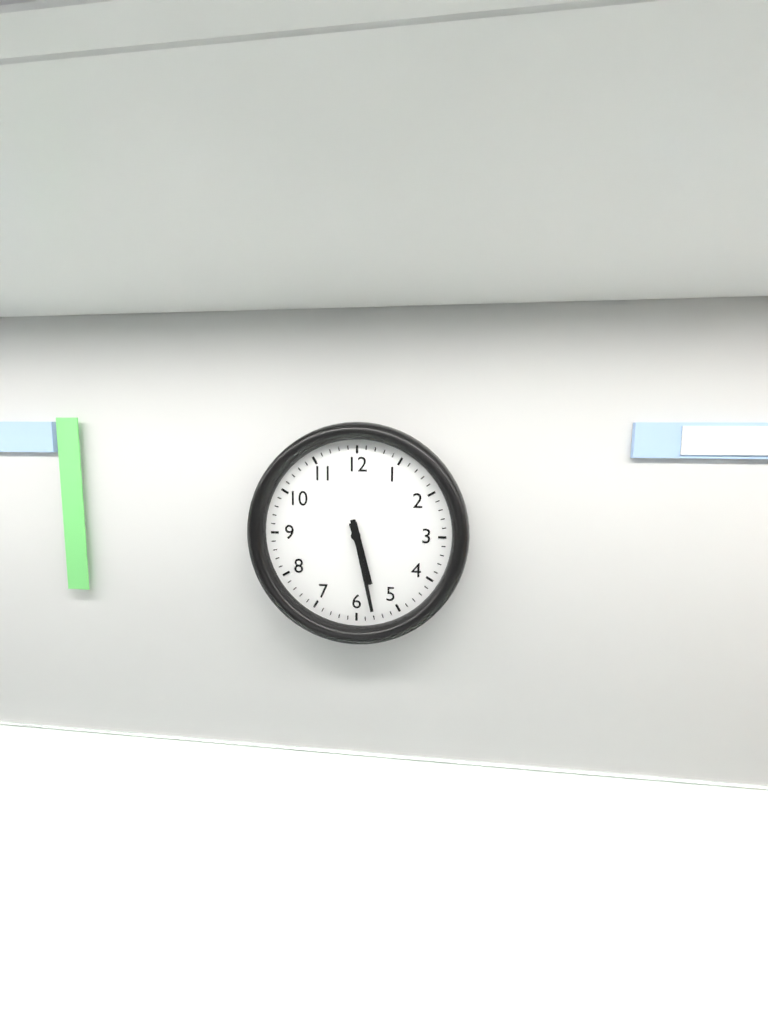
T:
5:28
